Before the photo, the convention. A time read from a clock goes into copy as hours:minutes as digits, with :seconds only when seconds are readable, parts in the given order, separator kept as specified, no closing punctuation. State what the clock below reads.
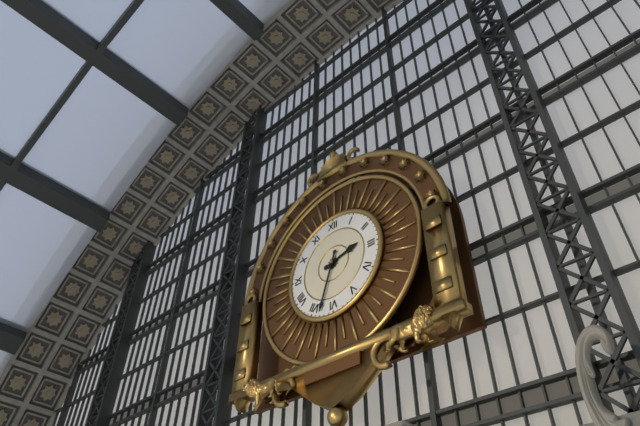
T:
2:33
